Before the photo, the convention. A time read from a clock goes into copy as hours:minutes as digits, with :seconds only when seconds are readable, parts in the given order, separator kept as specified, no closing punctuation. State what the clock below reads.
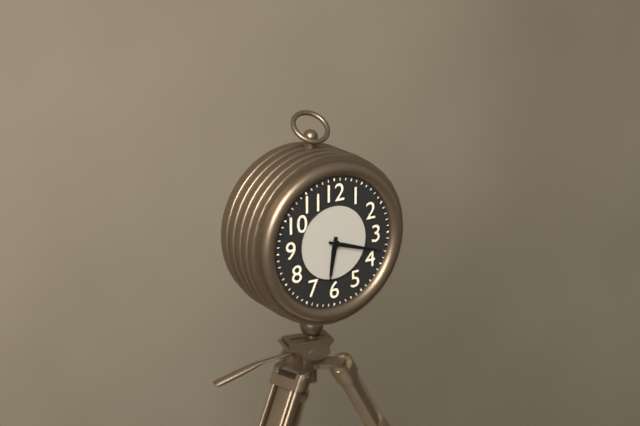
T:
6:18
